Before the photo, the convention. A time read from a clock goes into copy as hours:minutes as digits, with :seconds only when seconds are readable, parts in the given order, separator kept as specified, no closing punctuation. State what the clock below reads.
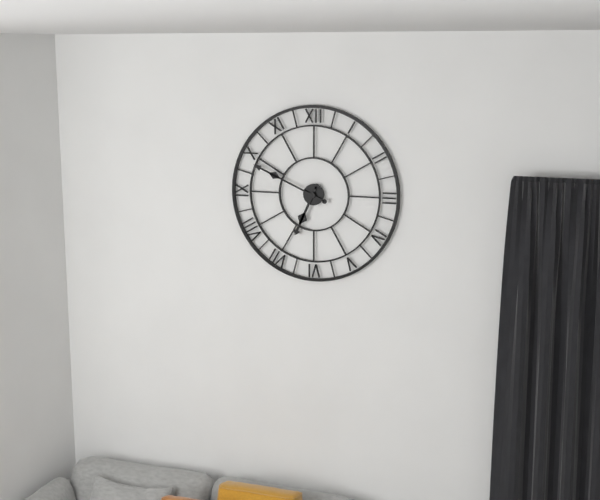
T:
6:49
